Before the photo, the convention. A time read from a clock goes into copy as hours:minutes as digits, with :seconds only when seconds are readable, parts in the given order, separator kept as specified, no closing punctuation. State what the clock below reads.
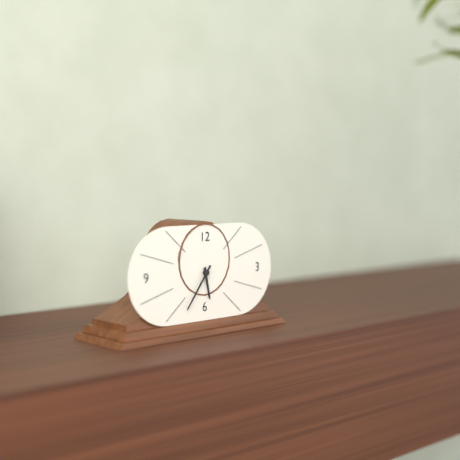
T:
5:36
